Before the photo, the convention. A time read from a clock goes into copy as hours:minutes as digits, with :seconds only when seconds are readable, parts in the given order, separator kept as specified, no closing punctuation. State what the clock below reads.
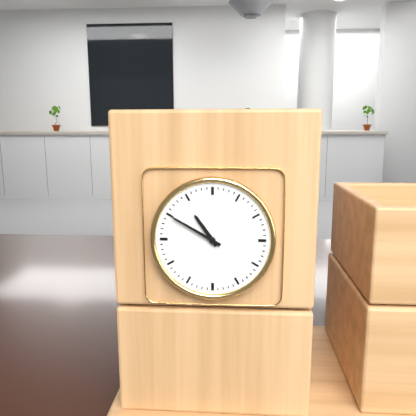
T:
10:50
